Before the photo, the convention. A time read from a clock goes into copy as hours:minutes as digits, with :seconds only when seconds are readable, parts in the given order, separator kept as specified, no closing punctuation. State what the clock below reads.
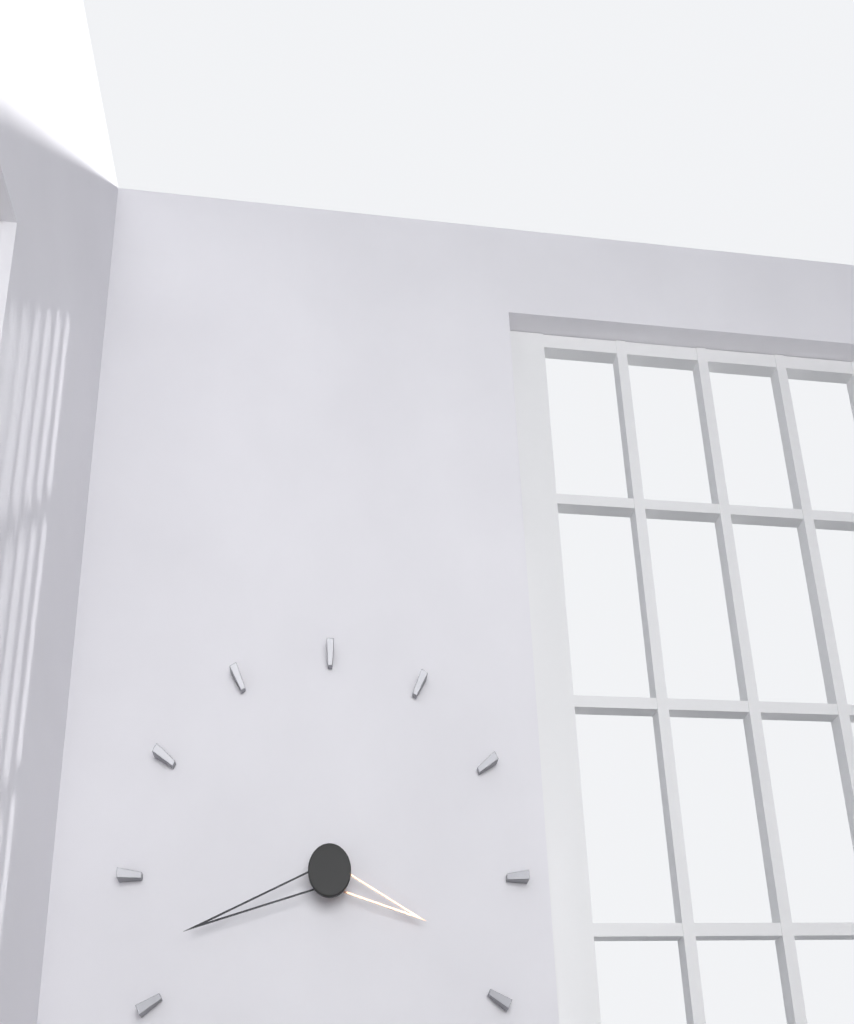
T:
3:42
